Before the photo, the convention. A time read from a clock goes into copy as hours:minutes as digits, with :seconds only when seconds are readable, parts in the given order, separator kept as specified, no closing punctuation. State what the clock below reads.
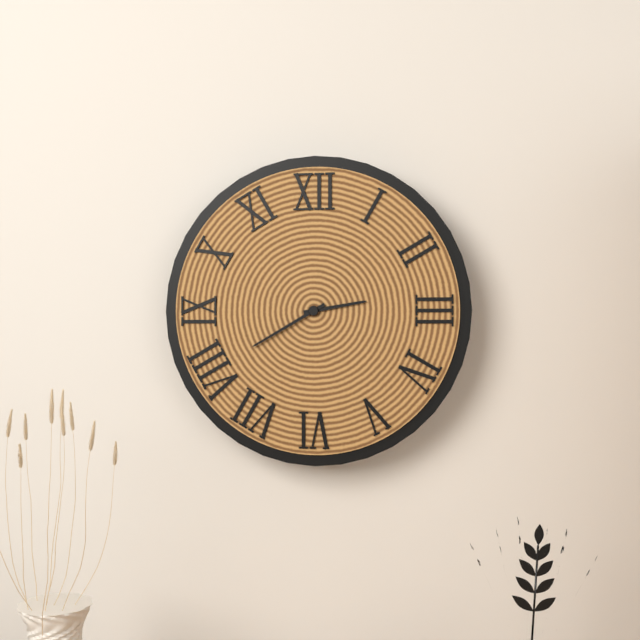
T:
2:40
